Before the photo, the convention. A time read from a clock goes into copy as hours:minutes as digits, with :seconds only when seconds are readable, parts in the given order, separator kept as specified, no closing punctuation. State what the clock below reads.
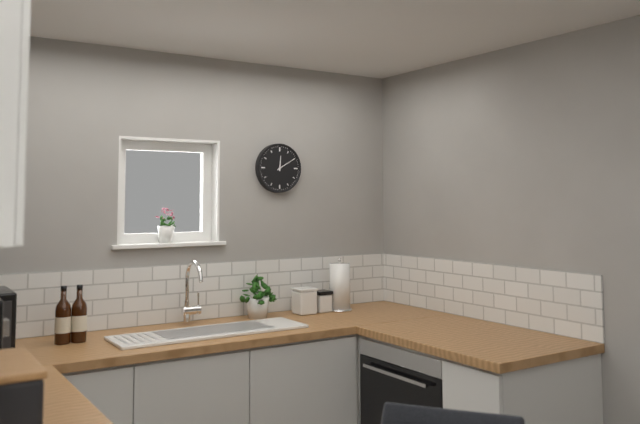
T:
12:10
